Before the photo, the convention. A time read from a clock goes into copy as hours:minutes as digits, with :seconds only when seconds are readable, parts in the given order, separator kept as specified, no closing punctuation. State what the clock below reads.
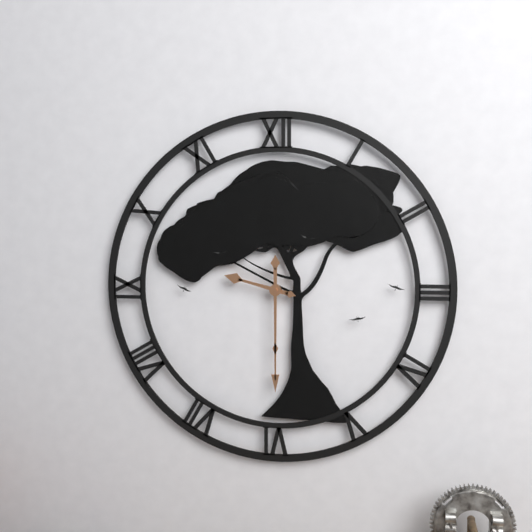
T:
9:30
